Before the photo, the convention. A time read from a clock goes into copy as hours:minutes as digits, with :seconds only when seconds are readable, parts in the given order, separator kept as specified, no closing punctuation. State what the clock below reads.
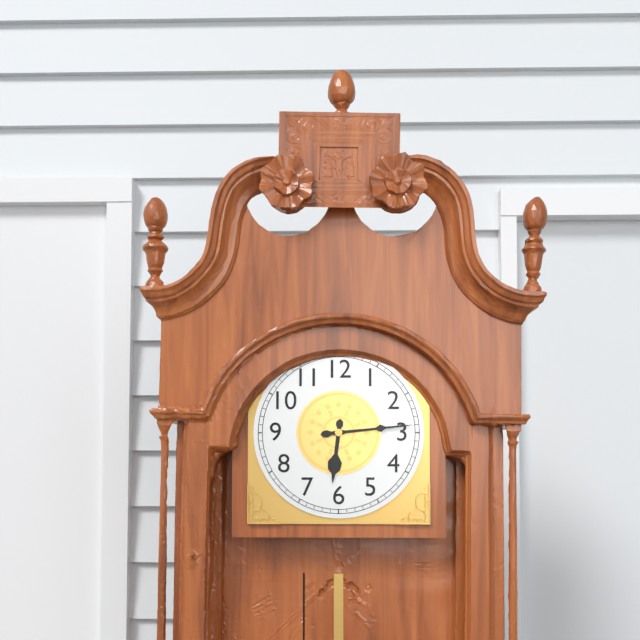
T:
6:14
